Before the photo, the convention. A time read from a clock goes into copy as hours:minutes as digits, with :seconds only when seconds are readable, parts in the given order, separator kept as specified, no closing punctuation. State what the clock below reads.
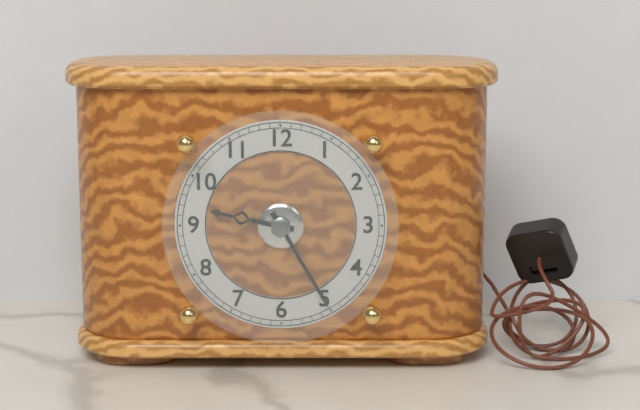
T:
9:25
